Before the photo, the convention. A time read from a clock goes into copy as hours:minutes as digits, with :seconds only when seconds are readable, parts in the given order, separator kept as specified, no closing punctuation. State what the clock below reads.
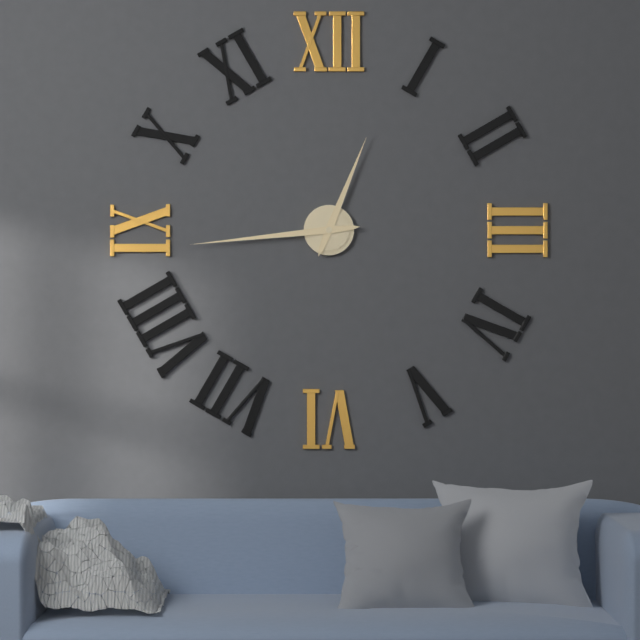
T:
12:44
